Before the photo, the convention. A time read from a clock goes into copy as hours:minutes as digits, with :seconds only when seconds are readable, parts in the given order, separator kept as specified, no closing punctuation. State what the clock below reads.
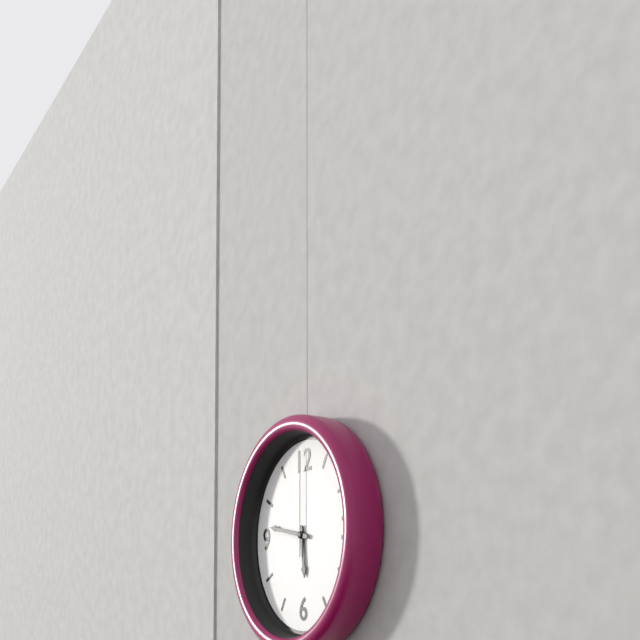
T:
5:47:00
